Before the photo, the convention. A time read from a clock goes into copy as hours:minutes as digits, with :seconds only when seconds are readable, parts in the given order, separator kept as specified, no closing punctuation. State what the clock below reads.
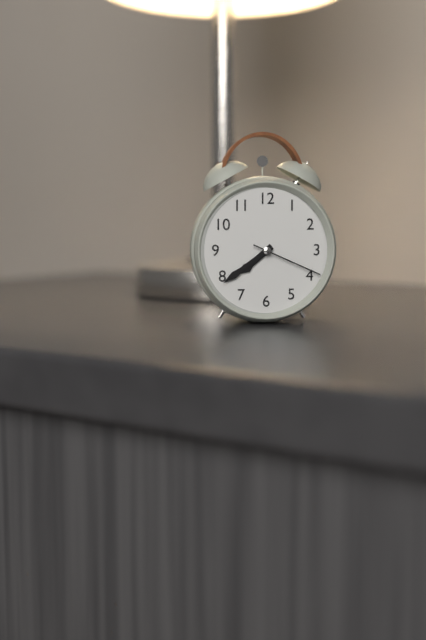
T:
7:39:19
